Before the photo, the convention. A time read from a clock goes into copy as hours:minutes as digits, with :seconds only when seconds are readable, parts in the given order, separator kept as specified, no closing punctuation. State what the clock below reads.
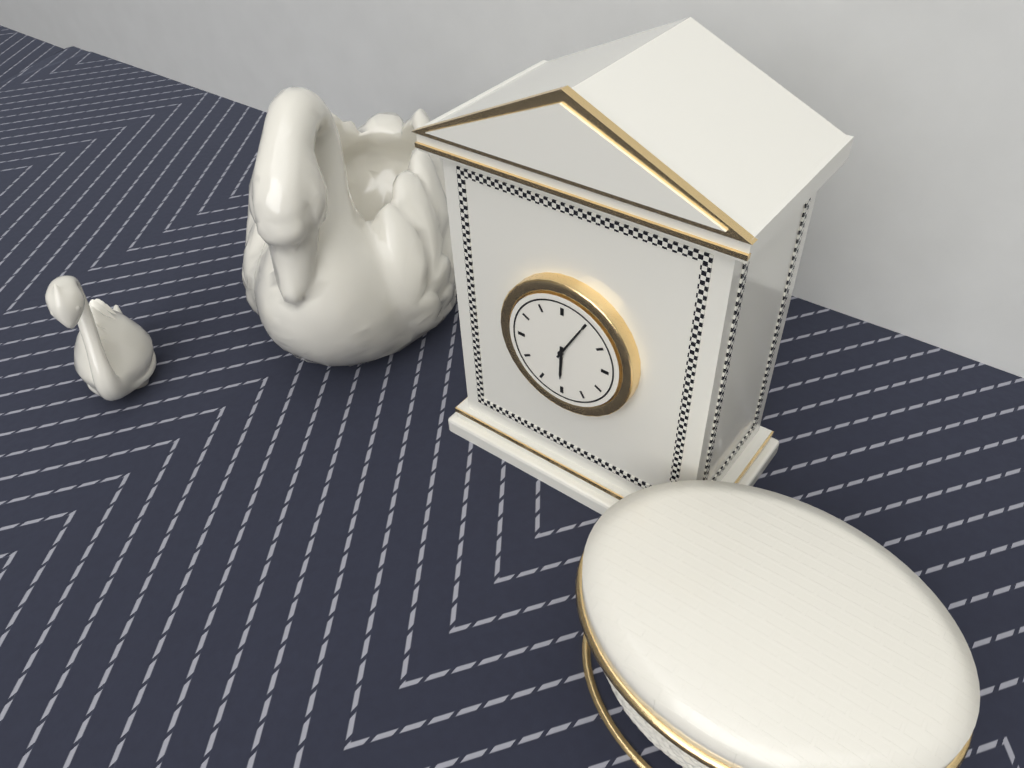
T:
6:05
